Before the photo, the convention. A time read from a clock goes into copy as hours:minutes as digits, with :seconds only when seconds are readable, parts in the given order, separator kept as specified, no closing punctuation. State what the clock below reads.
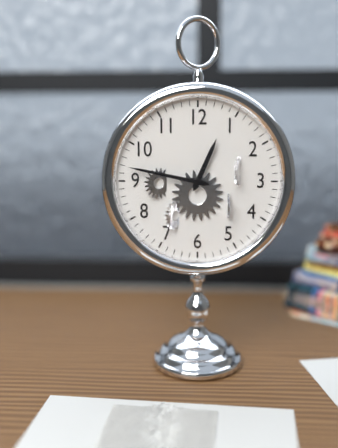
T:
12:47
